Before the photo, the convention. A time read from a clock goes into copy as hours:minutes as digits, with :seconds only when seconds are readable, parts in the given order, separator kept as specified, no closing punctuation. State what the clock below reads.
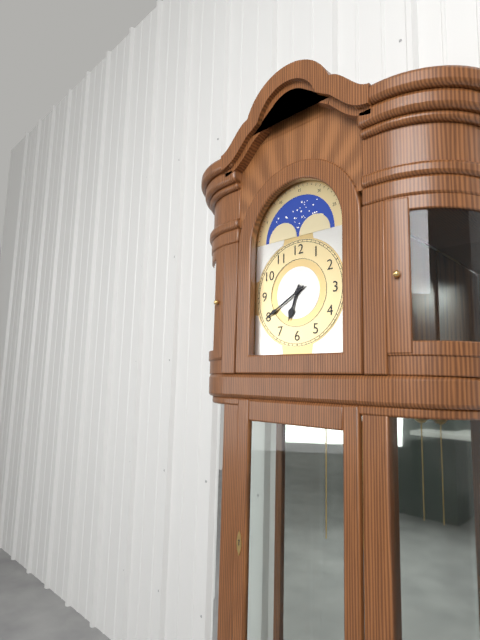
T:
6:40
